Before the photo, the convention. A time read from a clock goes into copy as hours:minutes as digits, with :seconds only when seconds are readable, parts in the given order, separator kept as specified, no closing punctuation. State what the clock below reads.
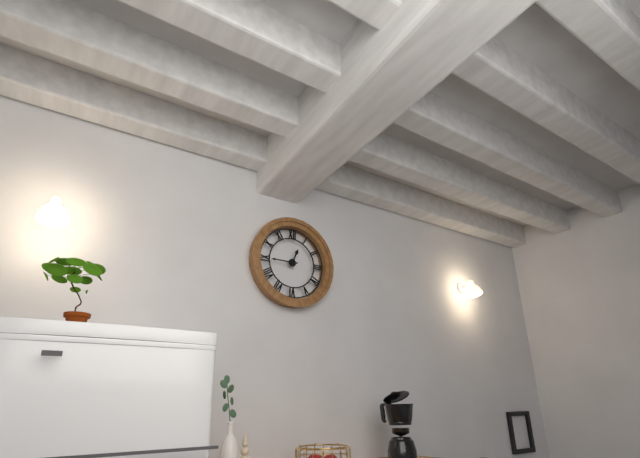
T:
12:45
